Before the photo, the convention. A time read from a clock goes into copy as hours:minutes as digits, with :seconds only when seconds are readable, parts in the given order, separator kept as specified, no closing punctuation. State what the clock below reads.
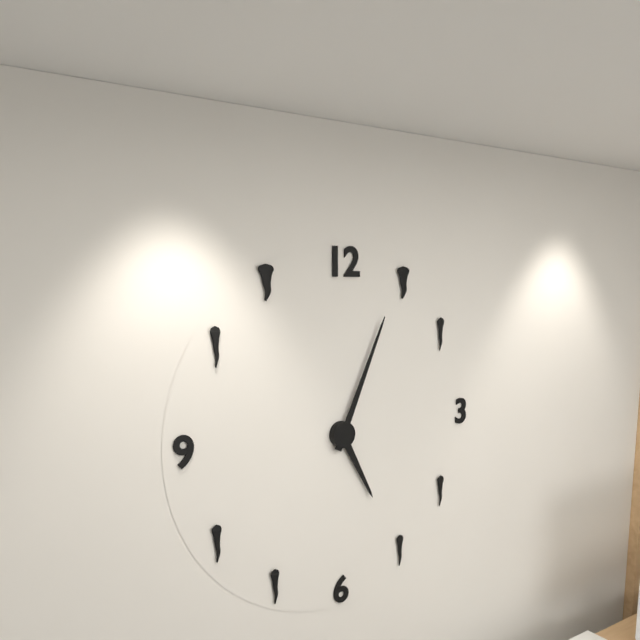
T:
5:04
